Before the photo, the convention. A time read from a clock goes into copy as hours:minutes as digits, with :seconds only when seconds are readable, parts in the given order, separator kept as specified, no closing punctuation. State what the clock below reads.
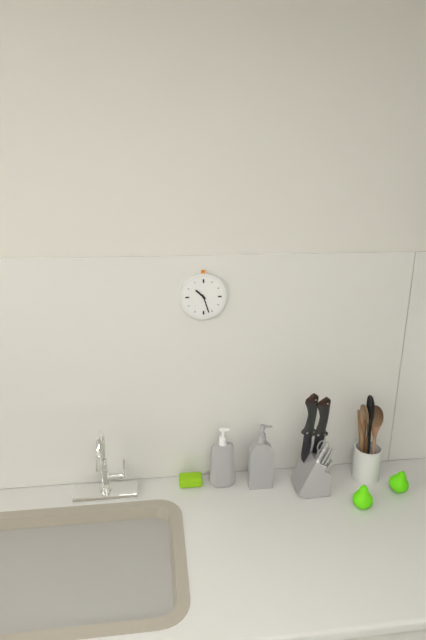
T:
10:27
